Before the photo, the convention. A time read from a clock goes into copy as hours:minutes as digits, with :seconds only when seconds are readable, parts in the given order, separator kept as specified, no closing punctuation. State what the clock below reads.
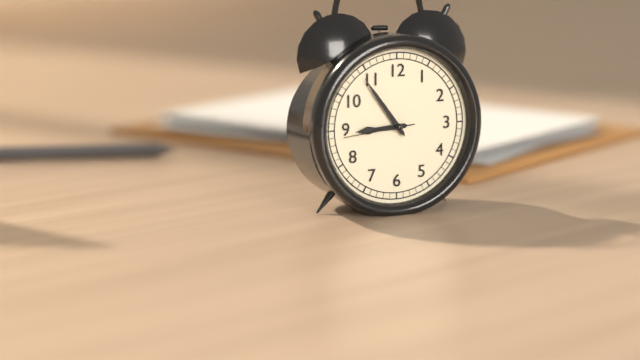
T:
8:54:44
